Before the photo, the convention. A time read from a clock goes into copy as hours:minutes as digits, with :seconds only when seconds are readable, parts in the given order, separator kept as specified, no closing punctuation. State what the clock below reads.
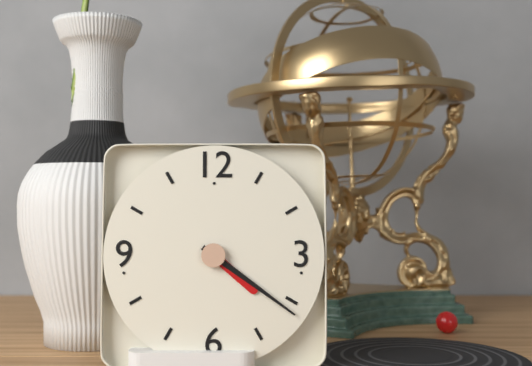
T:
4:21
